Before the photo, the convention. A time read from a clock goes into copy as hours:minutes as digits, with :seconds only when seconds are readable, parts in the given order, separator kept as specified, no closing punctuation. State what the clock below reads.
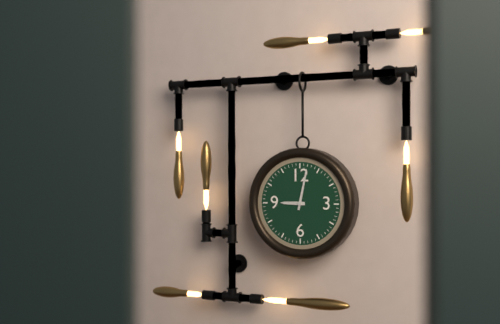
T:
9:02
